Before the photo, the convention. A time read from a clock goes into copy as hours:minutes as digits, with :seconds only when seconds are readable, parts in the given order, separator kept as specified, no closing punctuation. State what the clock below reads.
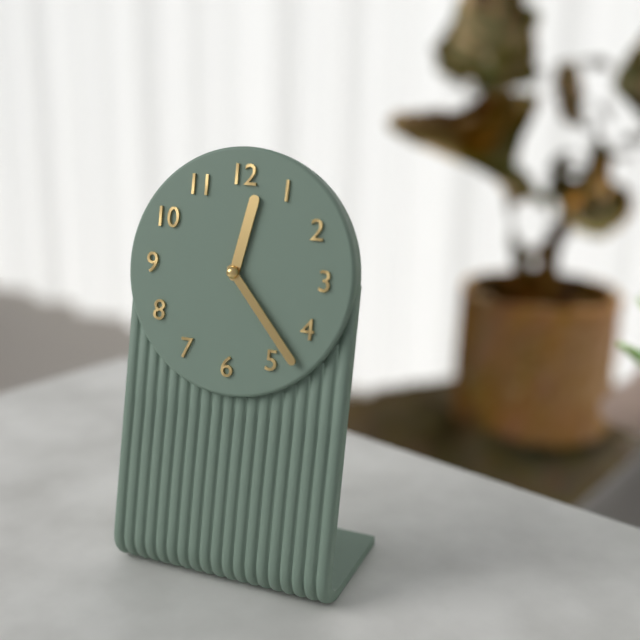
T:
12:23
